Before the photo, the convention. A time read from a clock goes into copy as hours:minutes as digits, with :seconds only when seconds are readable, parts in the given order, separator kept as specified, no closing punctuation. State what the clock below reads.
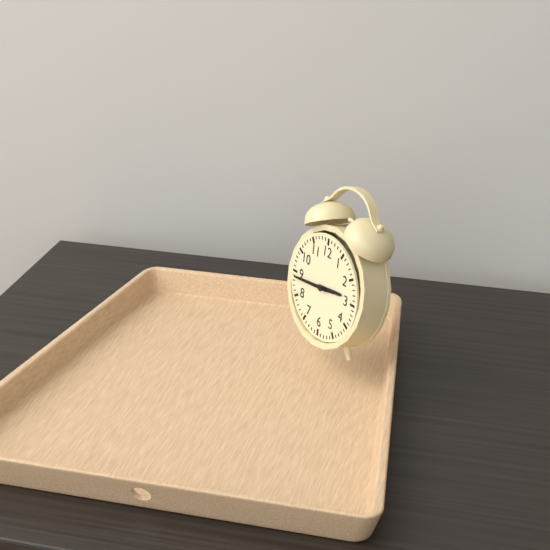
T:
2:44
